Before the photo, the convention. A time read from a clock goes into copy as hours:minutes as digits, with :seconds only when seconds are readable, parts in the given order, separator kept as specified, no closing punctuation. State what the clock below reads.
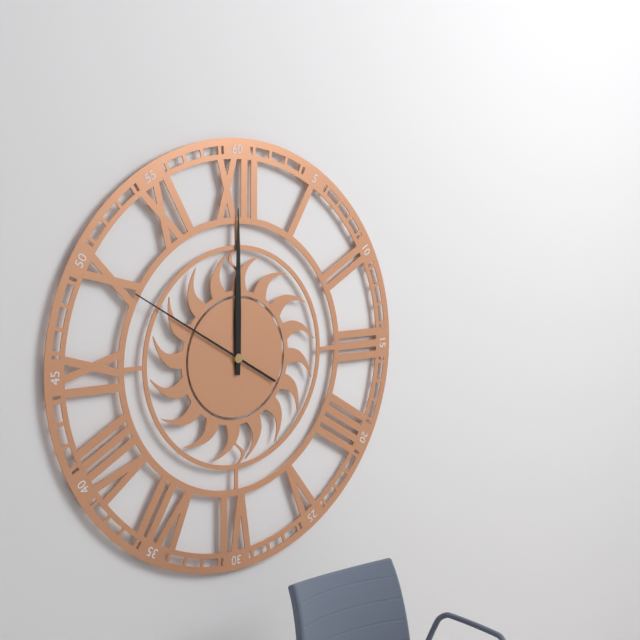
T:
12:00:50
